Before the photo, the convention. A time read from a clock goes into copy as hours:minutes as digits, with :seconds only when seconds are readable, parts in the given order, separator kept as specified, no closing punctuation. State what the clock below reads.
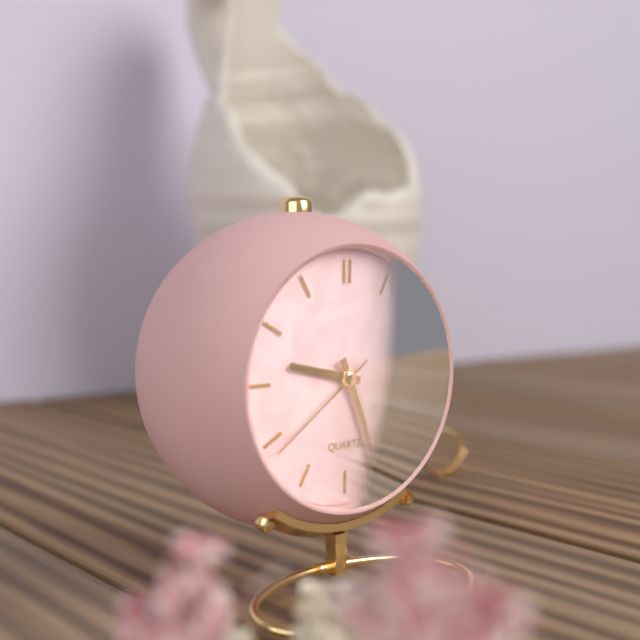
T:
9:26:39
